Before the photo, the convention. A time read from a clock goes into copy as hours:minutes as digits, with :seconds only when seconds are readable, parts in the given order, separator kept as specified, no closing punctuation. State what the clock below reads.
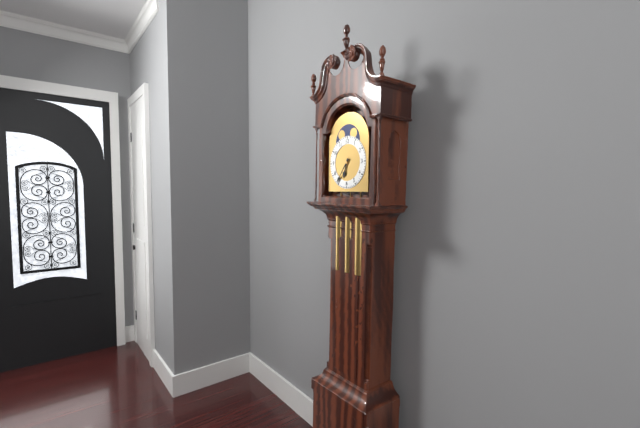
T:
6:36
